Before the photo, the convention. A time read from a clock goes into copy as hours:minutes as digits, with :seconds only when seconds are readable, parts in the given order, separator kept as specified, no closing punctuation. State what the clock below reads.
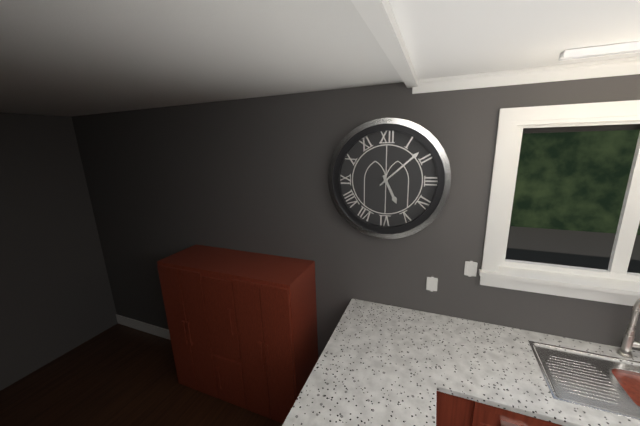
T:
5:08
